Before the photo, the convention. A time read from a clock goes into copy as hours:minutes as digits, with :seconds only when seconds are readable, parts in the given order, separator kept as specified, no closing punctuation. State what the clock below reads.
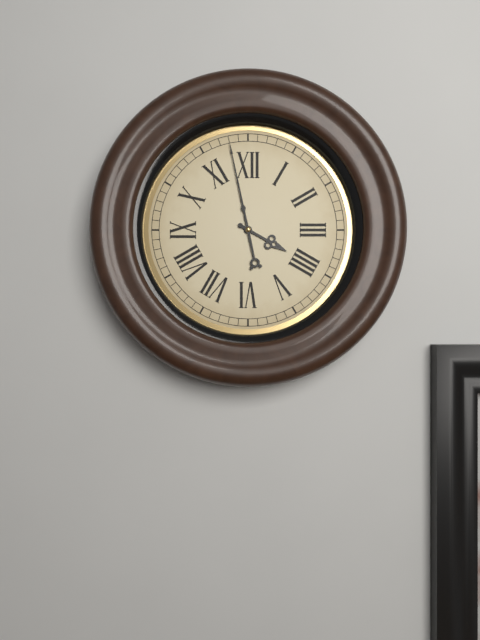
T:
3:58
